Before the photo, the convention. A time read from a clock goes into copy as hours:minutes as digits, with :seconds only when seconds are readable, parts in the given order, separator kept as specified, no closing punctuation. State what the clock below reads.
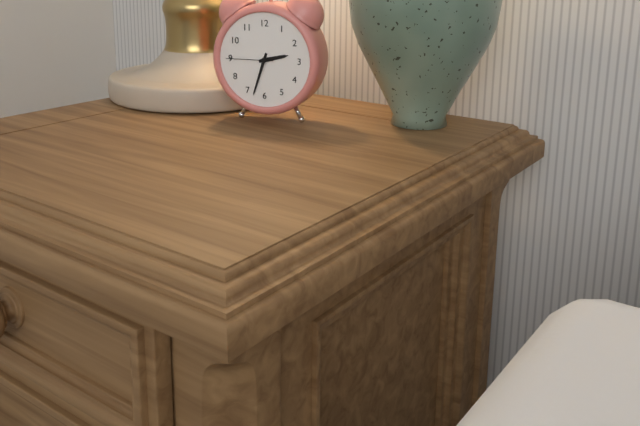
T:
2:33
